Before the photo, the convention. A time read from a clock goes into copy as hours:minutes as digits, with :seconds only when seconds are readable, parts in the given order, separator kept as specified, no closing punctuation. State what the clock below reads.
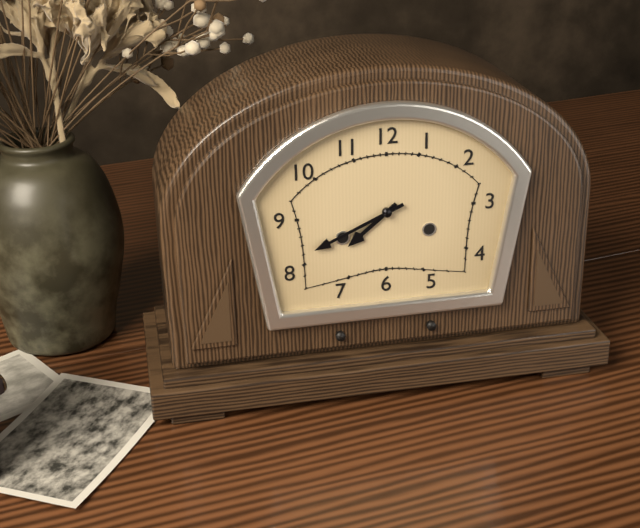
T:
7:41
